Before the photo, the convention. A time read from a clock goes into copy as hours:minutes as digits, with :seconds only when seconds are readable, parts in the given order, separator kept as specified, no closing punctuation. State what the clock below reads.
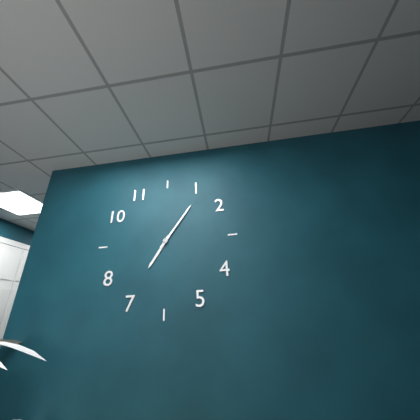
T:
7:06
